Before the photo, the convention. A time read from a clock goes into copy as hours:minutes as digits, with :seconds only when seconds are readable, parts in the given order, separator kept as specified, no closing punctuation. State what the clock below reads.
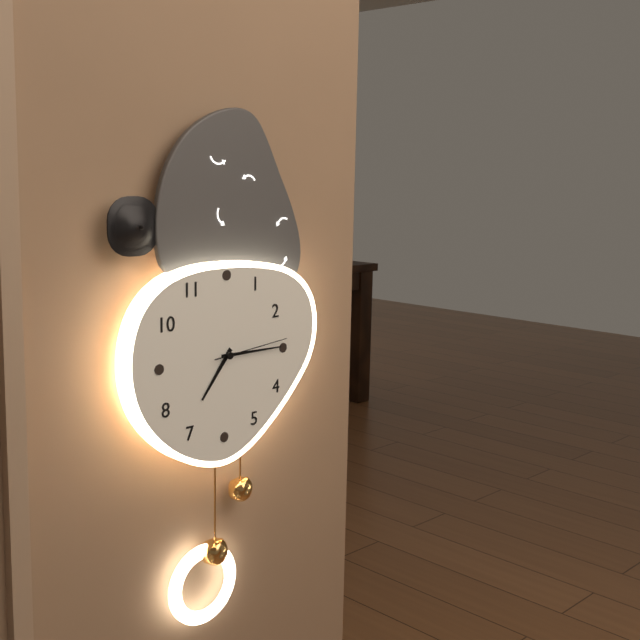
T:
7:15:14
